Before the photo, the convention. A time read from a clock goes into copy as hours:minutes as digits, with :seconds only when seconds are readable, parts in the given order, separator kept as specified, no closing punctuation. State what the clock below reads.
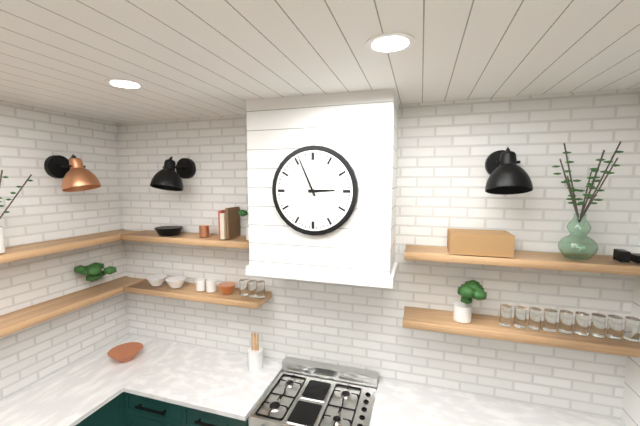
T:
2:56
